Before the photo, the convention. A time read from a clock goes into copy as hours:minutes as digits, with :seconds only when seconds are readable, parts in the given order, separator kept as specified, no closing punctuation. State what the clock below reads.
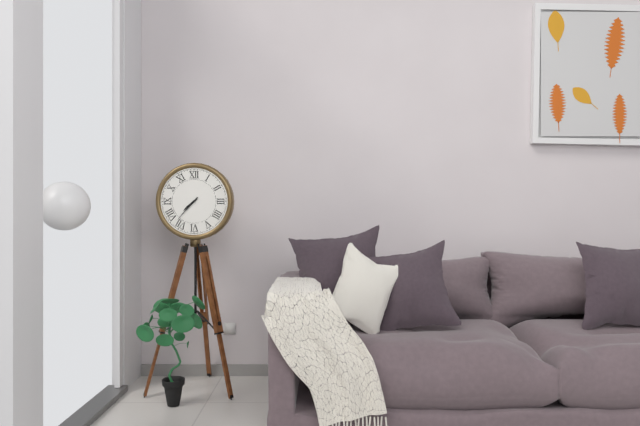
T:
7:37
